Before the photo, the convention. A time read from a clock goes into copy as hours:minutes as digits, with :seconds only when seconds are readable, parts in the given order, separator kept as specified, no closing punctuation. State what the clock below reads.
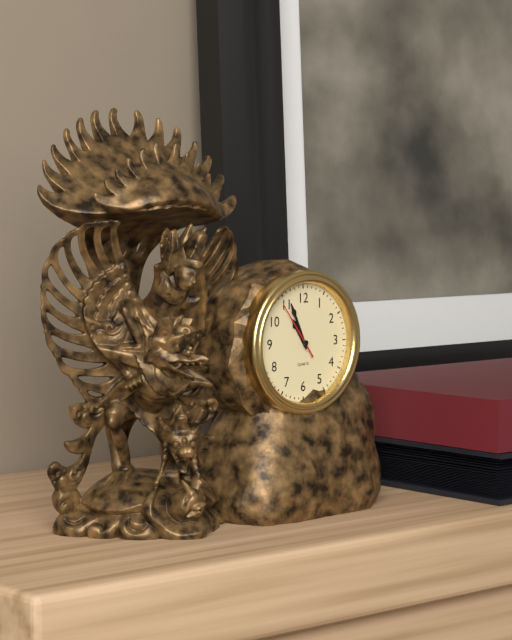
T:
10:56:54
